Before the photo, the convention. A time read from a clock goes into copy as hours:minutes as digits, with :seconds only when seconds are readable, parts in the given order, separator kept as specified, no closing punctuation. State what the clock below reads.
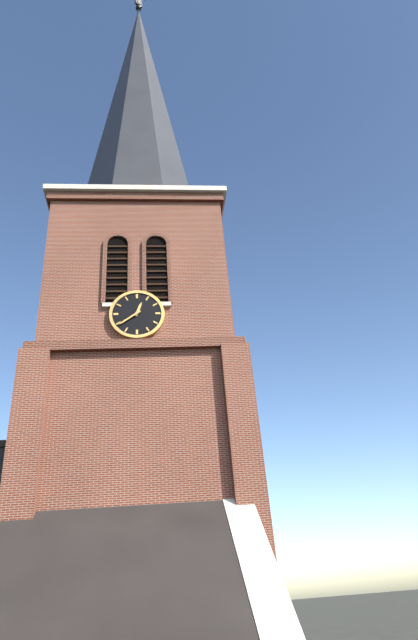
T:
12:39
